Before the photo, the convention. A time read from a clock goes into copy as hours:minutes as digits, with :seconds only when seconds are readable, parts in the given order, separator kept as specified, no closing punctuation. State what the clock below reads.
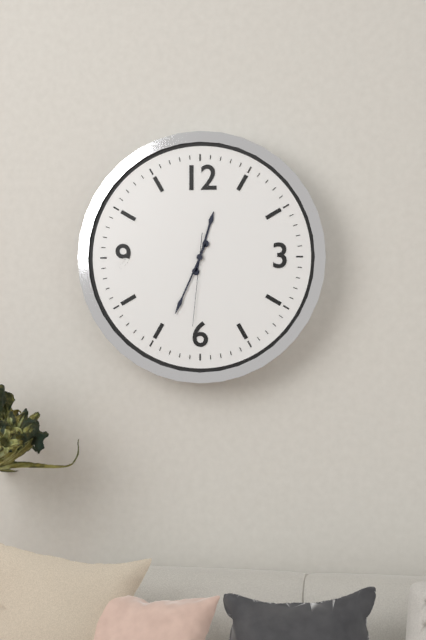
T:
12:34:31
